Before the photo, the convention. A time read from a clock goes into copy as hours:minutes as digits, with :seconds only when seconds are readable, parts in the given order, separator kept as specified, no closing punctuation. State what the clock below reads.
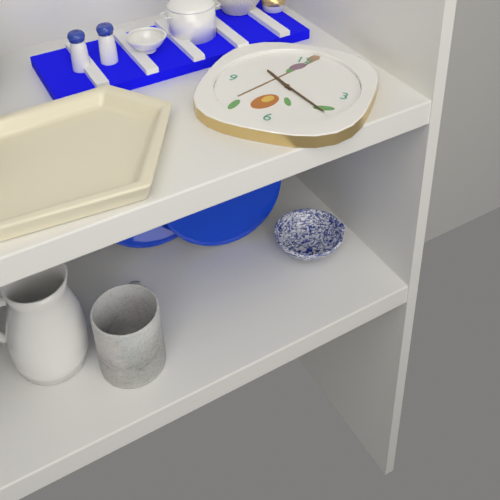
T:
10:21
